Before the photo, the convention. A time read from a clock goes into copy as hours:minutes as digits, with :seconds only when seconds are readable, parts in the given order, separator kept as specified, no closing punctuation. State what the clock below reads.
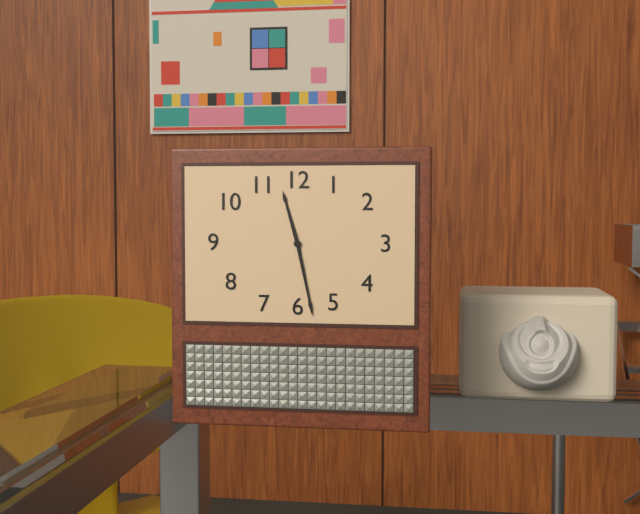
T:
11:28
